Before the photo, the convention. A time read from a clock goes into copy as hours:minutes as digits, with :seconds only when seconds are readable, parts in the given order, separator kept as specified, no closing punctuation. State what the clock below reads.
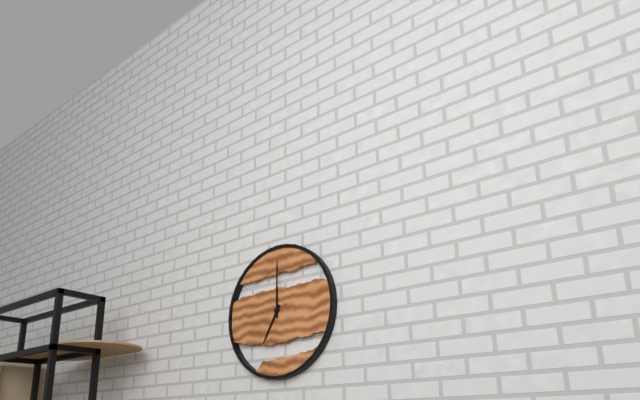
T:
7:00
